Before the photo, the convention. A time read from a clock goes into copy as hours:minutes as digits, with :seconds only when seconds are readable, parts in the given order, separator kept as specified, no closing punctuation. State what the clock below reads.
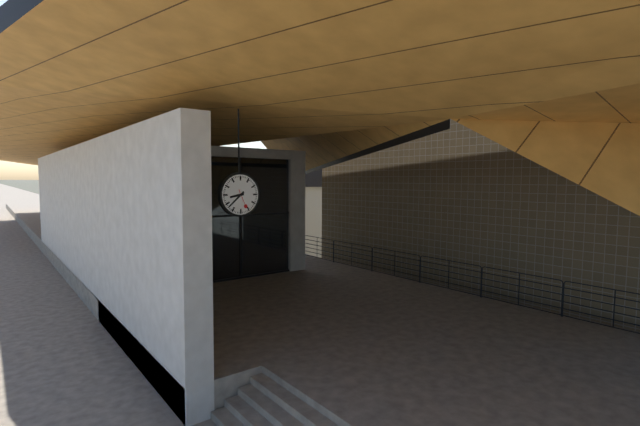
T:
8:38
